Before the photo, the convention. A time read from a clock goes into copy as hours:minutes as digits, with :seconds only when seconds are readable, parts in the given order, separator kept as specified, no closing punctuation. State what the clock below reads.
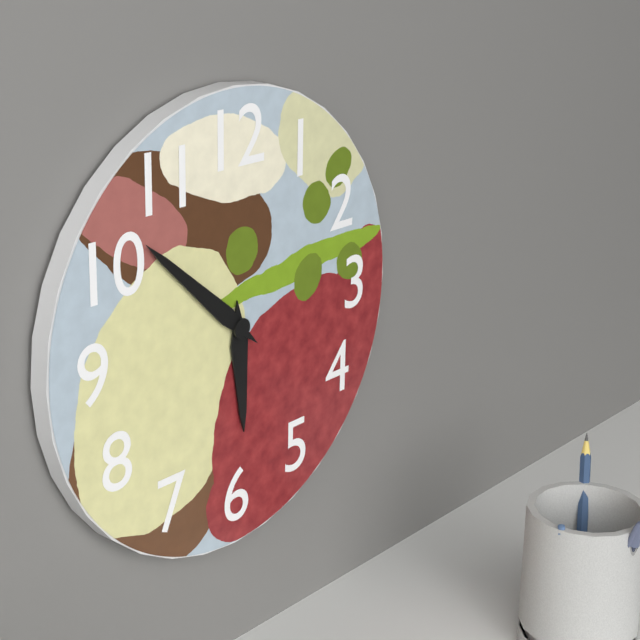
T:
5:52
